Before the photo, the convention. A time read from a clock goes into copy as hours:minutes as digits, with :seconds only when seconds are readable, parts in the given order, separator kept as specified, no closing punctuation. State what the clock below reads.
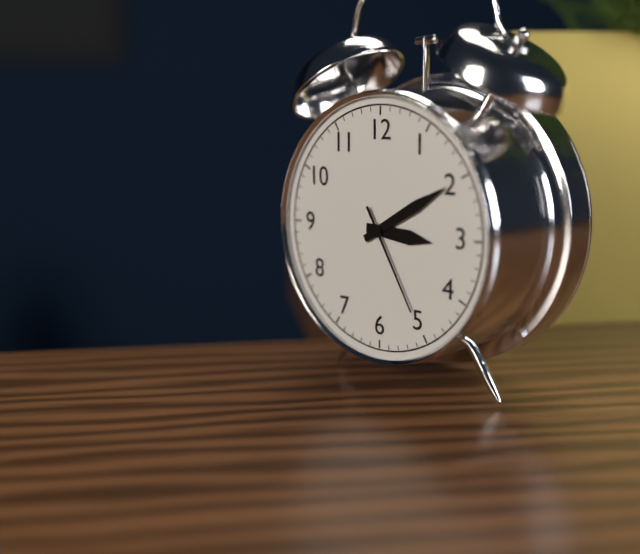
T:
3:10:25
